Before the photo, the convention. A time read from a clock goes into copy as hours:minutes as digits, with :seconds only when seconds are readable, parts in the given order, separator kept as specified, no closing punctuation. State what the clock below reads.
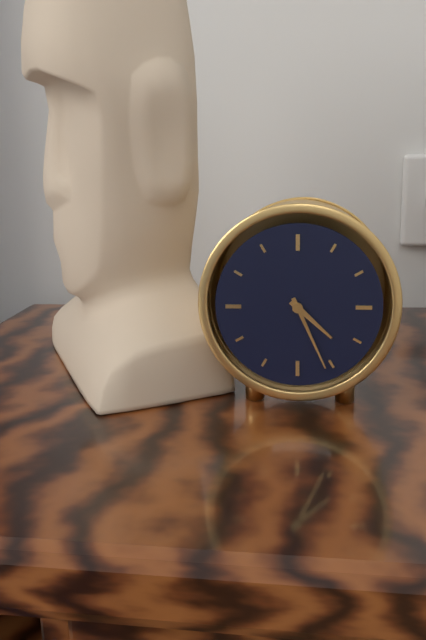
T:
4:26
